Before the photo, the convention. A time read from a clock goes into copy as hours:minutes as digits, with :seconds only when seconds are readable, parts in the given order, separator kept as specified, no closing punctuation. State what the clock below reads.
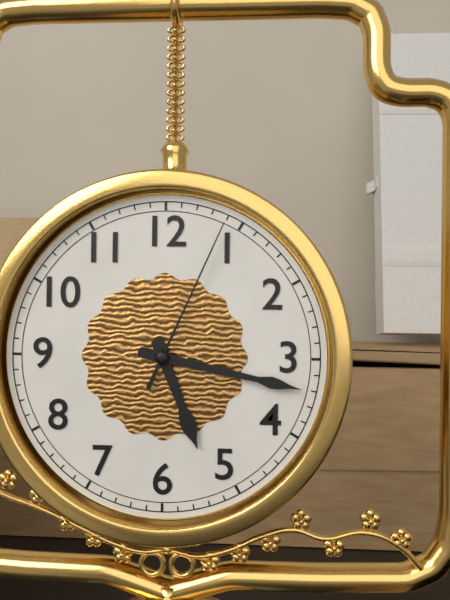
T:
5:17:04
